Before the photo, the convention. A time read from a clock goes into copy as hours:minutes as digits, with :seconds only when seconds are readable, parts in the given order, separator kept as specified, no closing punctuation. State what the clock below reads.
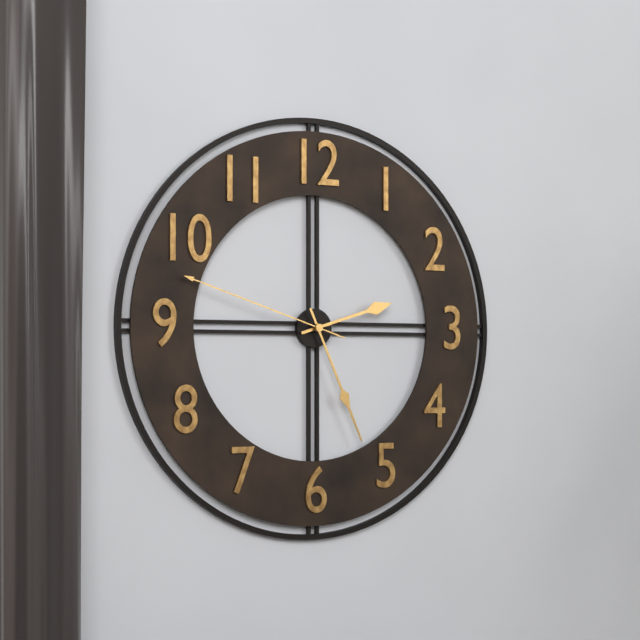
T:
2:26:48
